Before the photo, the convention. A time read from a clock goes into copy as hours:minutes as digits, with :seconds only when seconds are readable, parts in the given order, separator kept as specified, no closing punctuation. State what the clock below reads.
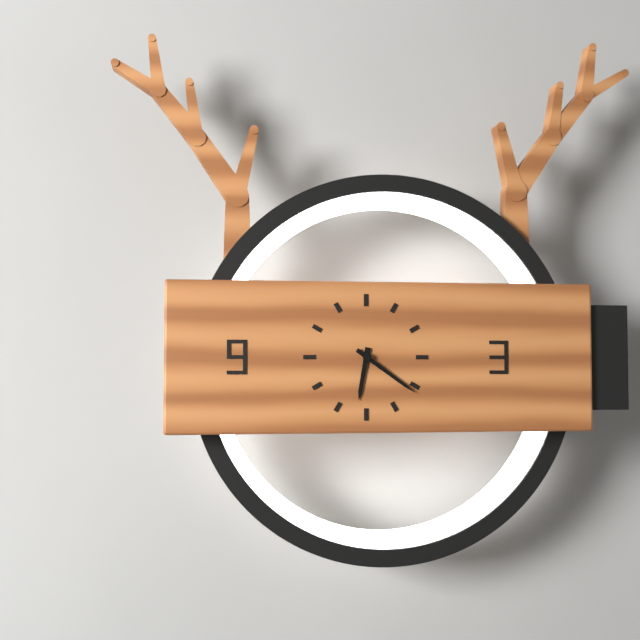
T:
6:21
